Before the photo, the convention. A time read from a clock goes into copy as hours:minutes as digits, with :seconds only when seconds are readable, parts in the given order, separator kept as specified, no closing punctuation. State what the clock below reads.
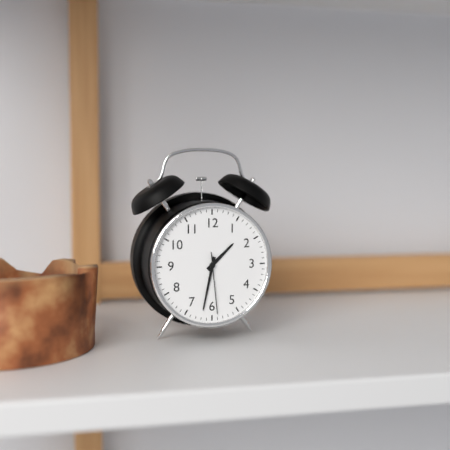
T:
1:32:29
